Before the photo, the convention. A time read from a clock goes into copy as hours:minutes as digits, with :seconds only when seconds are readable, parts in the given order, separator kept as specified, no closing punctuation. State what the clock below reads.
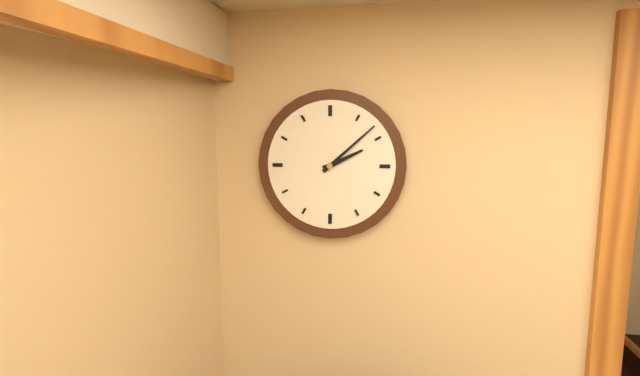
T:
2:08
